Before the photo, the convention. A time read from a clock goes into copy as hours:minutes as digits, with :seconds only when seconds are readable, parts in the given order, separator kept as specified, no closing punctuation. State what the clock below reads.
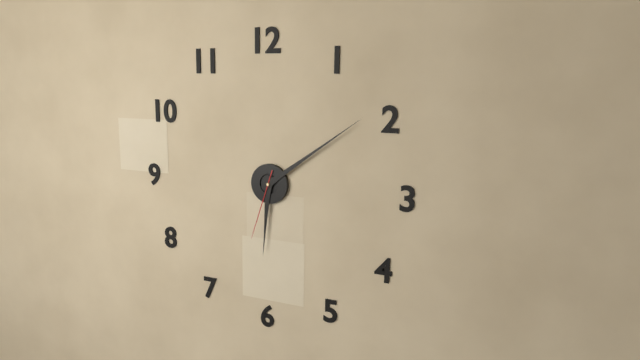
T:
6:09:33
